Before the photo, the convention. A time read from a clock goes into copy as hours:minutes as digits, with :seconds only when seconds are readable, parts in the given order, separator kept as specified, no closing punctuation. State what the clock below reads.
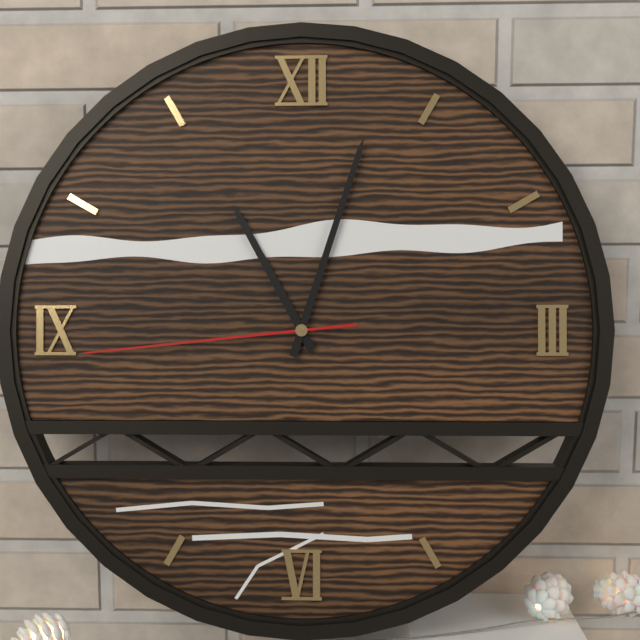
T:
11:03:44
